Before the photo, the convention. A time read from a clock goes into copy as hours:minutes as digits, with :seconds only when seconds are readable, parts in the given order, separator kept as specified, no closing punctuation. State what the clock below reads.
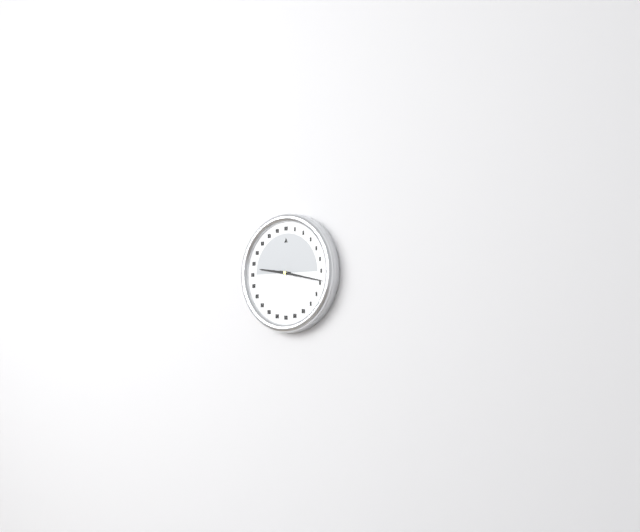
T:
9:17
